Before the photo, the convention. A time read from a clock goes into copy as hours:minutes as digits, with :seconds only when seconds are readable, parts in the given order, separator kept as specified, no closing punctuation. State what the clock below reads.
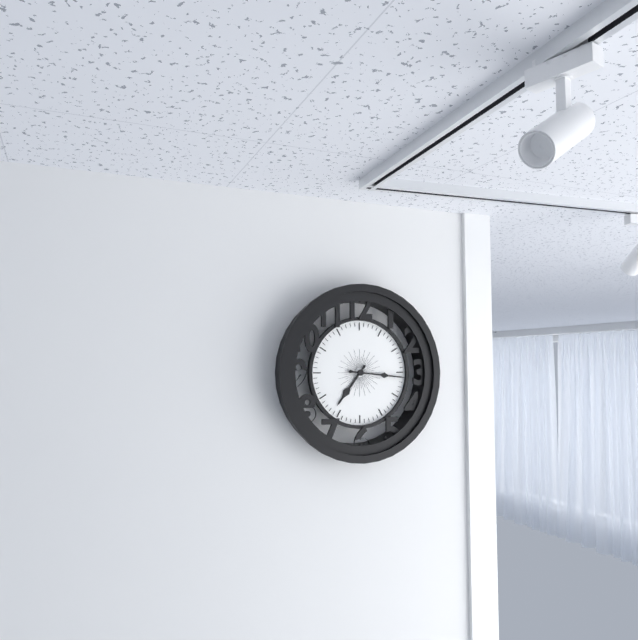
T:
7:16
